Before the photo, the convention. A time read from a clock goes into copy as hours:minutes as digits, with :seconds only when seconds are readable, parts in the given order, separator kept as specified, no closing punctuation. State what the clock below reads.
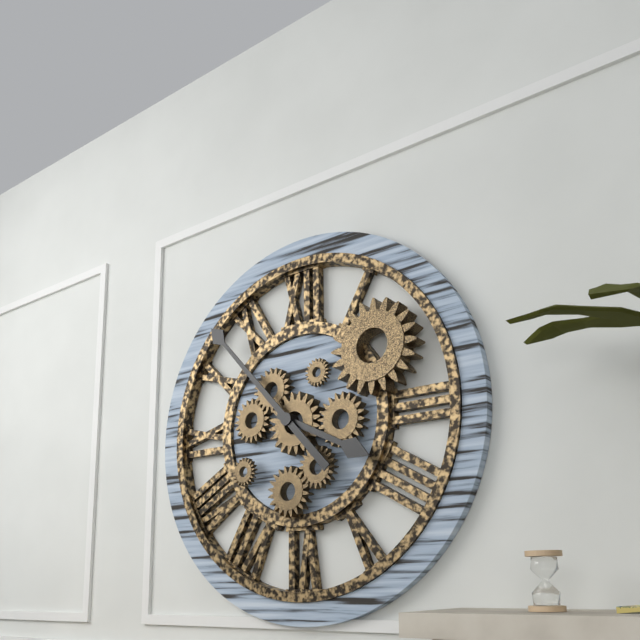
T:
3:53
